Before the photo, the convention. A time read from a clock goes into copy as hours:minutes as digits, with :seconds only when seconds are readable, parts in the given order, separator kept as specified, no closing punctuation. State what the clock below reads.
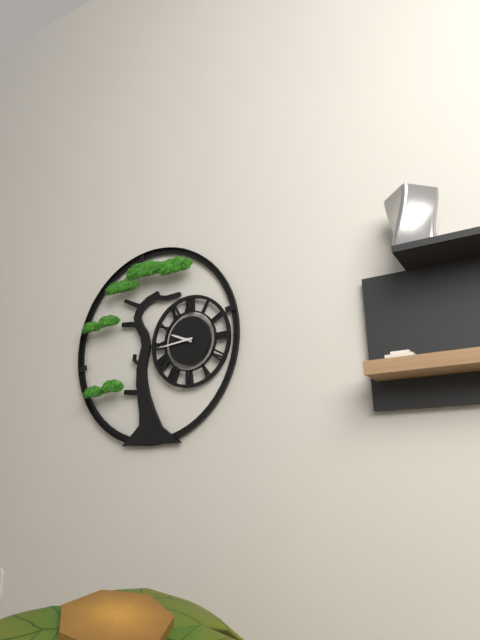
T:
9:44
